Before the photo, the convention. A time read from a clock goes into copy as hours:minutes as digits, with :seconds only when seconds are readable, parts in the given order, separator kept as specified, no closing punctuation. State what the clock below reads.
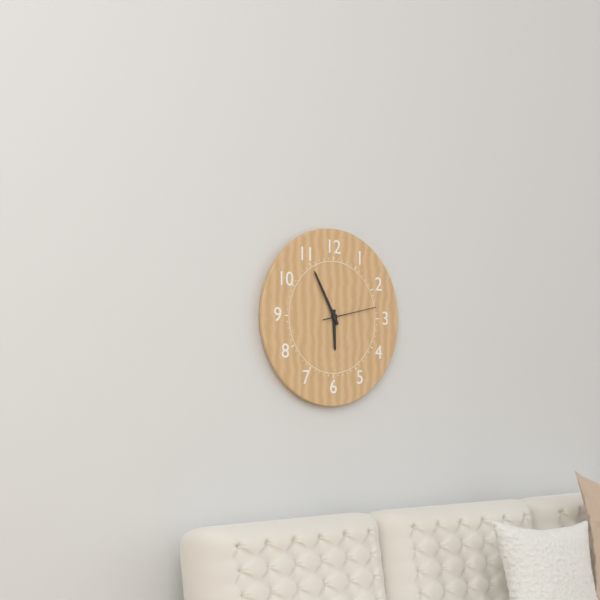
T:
5:55:13
